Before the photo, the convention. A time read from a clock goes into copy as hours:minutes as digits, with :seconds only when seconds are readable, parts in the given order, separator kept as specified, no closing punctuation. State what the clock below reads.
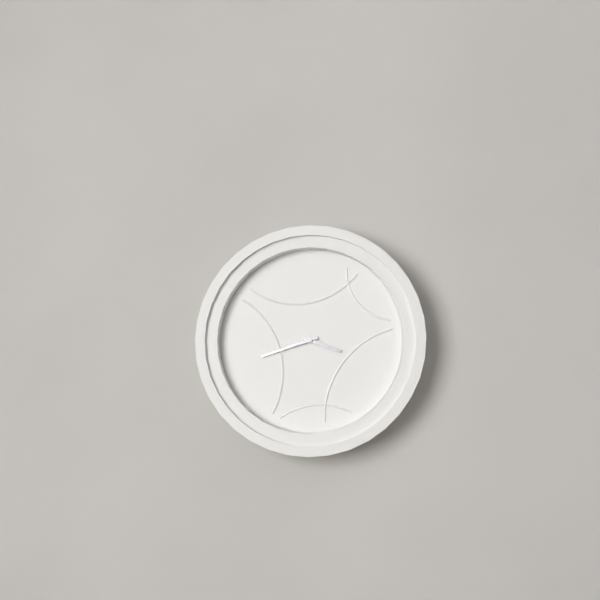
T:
3:42
